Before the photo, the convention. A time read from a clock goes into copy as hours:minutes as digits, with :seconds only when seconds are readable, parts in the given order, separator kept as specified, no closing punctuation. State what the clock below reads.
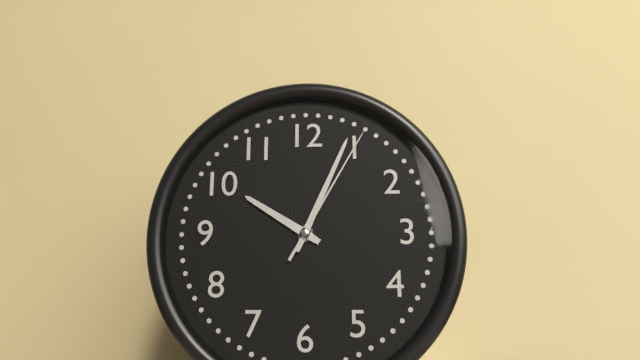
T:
10:04:05
